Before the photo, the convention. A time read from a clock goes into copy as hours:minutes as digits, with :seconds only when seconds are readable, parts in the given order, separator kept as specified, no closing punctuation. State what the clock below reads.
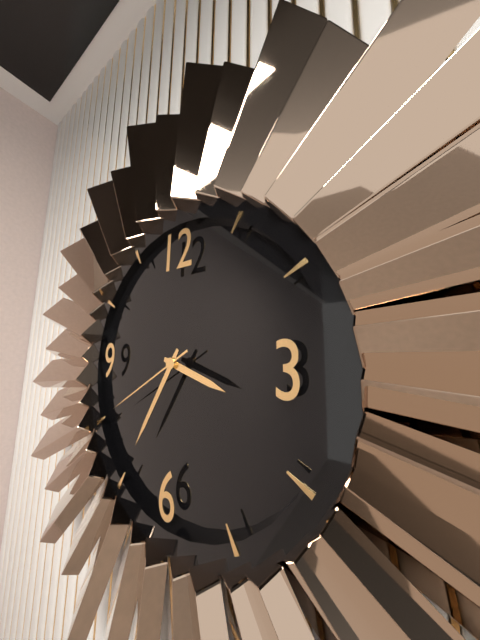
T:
3:35:40
